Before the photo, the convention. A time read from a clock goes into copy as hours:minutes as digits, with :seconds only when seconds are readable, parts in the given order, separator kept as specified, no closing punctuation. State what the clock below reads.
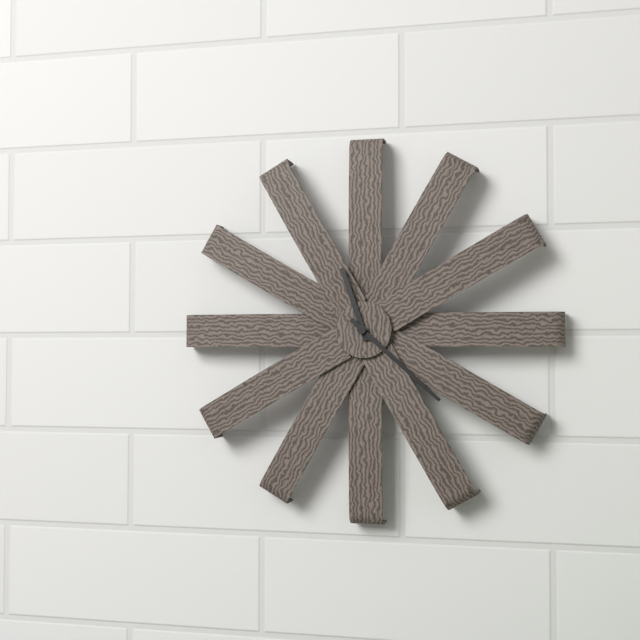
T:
11:22
